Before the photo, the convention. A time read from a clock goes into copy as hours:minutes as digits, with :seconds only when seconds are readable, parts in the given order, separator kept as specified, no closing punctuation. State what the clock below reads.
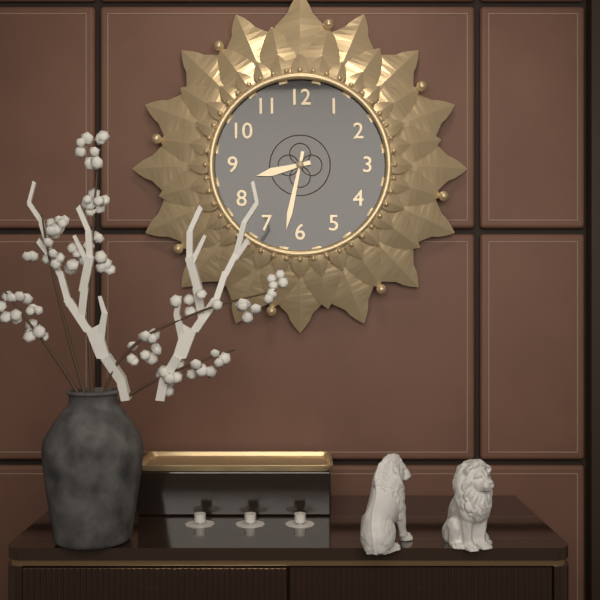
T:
8:32
